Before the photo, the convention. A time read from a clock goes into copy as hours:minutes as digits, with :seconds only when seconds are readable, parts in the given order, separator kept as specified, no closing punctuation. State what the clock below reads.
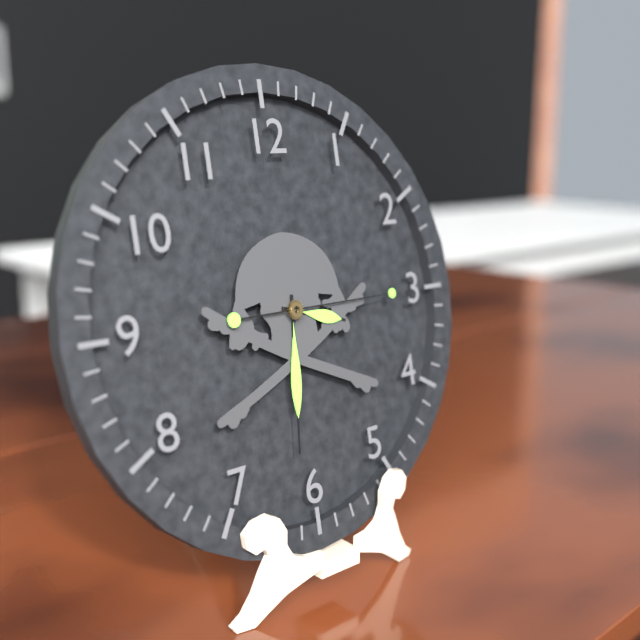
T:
3:31:15
